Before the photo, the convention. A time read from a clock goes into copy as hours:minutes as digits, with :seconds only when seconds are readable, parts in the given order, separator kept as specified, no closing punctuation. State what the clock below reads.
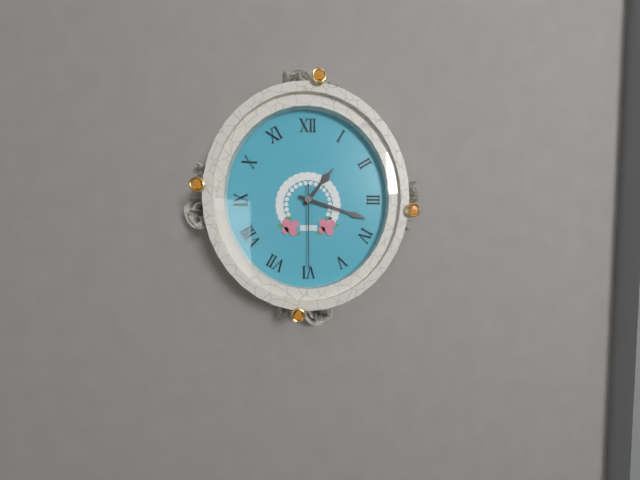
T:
1:18:30
